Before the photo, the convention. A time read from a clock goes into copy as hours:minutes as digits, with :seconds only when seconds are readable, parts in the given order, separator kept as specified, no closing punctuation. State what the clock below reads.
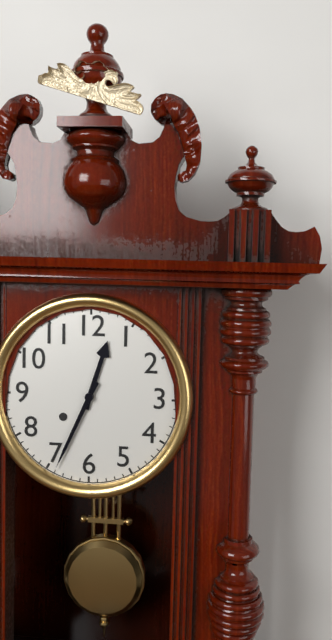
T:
12:34
